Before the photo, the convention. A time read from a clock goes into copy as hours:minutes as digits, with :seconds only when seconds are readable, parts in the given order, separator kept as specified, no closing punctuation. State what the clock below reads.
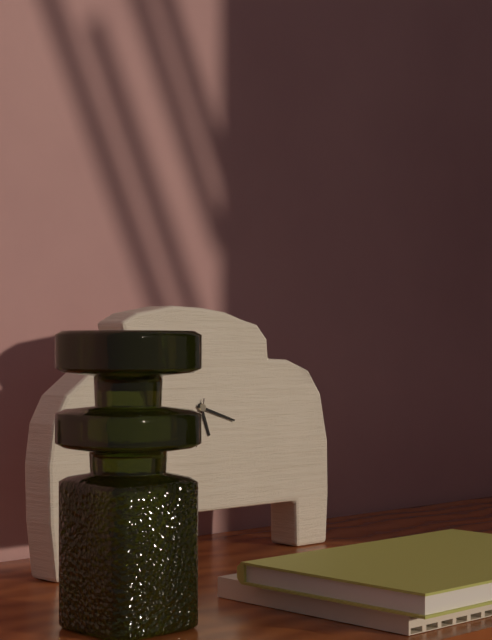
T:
5:18
